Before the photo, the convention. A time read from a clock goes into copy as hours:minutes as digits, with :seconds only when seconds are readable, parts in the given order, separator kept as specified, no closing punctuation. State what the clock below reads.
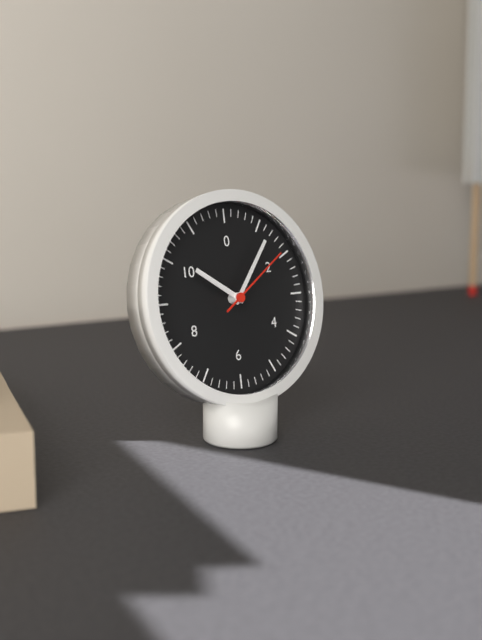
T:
10:06:09
